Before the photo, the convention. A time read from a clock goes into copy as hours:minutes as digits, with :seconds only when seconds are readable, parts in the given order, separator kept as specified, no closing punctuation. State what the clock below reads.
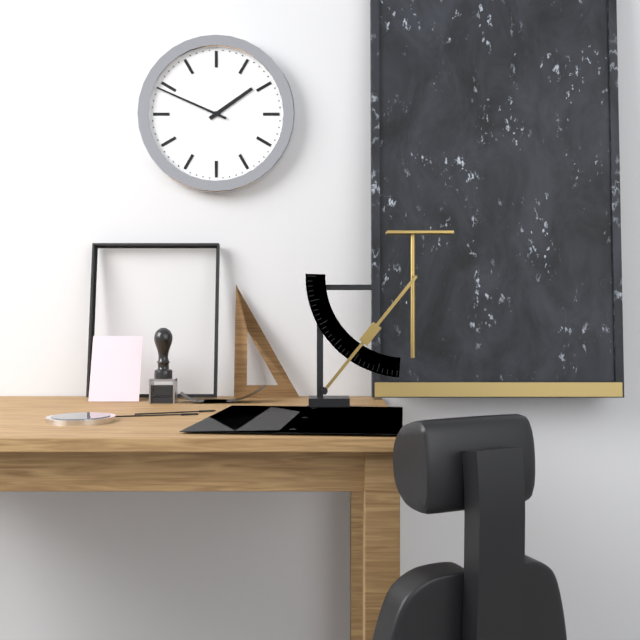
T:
1:49
